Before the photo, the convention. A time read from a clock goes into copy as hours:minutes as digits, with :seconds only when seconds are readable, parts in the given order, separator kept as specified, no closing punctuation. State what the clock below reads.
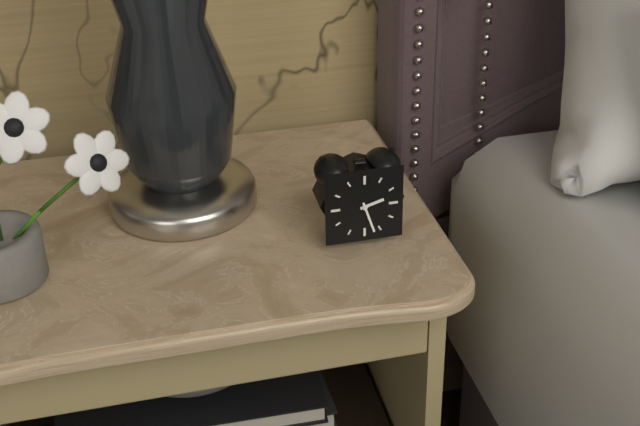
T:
2:27
